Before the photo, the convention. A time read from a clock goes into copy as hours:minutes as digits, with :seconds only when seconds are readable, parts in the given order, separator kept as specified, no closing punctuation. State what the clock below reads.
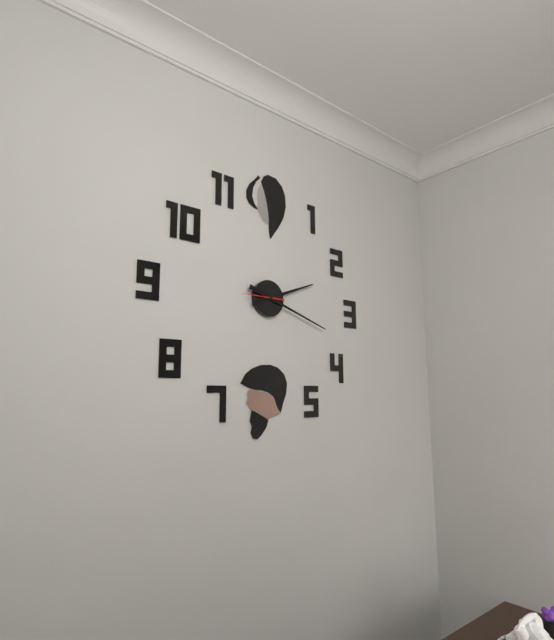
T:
2:18
